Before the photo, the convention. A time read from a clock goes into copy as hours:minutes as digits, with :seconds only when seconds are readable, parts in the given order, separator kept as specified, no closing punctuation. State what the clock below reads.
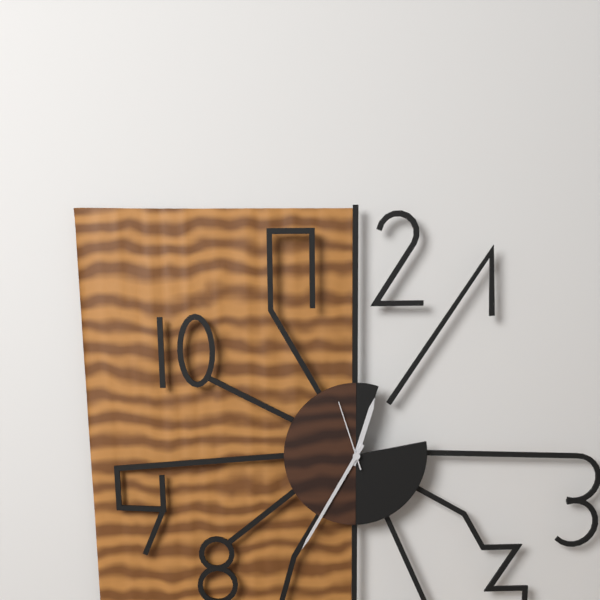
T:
12:35:57
